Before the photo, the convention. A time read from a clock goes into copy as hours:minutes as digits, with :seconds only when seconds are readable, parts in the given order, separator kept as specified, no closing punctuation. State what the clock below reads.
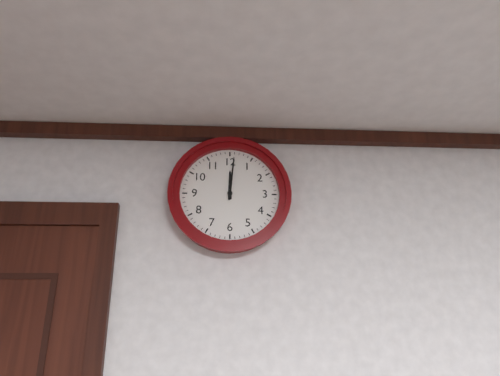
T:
12:01
